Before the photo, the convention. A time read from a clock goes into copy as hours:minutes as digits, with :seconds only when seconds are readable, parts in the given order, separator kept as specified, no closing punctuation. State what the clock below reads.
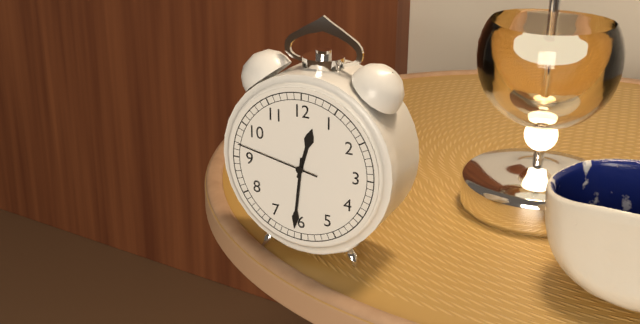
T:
12:31:47
